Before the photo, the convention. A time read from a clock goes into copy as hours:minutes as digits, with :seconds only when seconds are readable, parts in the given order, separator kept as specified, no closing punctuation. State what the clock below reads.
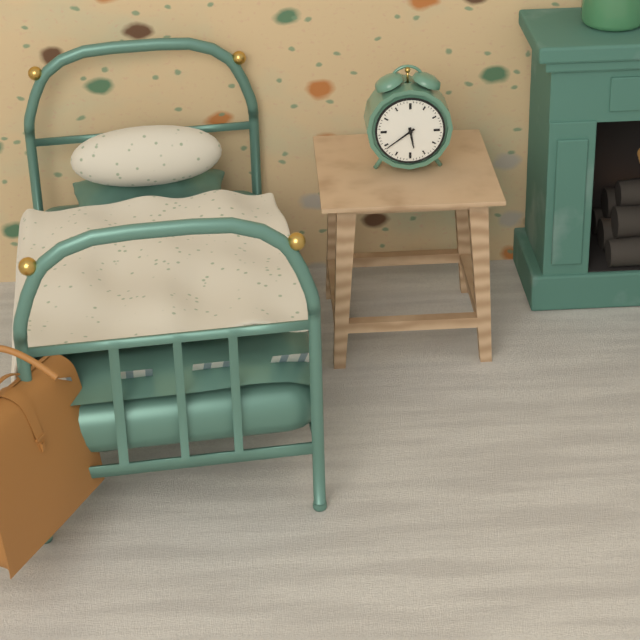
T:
5:39
